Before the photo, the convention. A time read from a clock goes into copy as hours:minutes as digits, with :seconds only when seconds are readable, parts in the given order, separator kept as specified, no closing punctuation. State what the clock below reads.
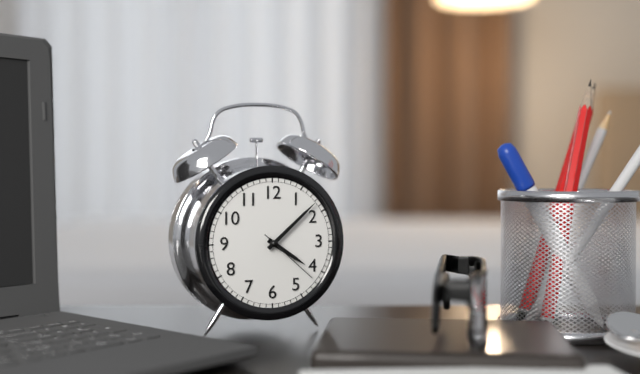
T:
4:08:22
